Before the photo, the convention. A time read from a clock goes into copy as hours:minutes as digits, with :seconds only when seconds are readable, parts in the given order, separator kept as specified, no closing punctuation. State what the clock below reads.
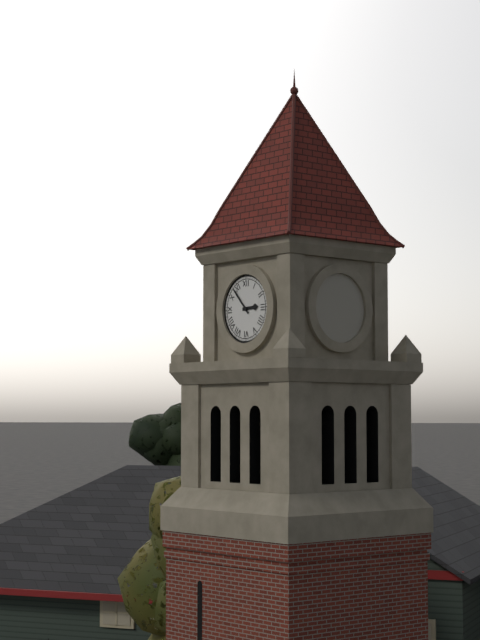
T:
2:53
